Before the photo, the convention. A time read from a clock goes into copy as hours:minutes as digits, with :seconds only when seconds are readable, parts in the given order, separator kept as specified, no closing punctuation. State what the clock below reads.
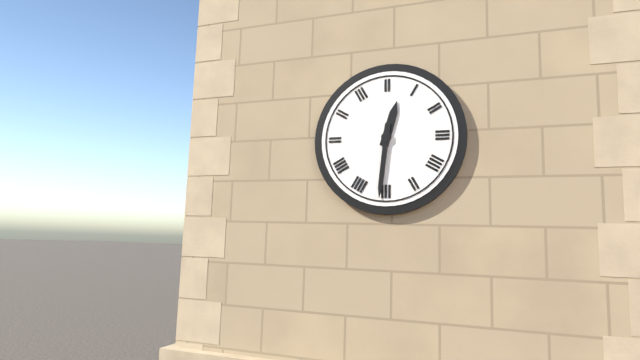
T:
12:31
